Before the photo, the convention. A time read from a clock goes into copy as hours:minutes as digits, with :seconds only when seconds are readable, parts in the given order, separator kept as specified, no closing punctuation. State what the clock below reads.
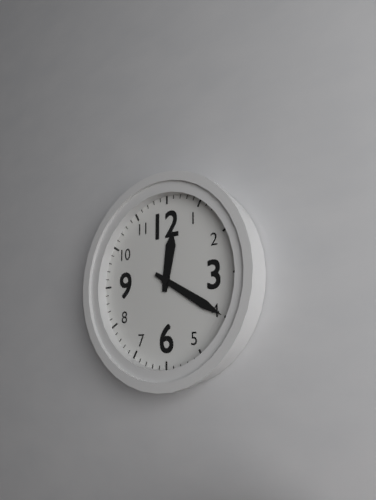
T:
12:20
